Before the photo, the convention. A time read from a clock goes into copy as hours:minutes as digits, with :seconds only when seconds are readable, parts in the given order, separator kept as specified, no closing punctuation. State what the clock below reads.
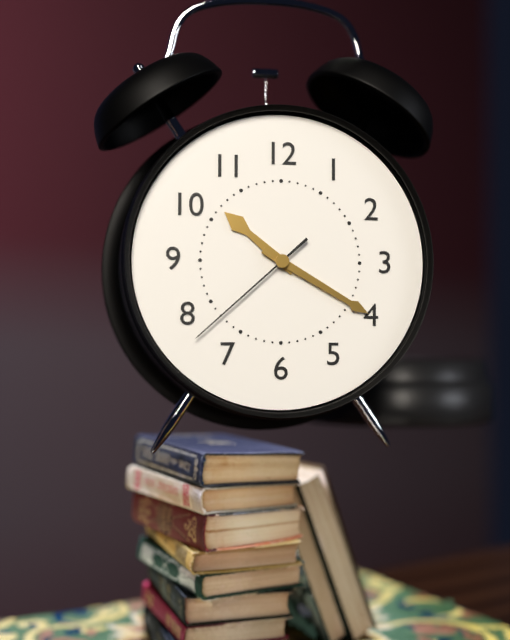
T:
10:20:38
